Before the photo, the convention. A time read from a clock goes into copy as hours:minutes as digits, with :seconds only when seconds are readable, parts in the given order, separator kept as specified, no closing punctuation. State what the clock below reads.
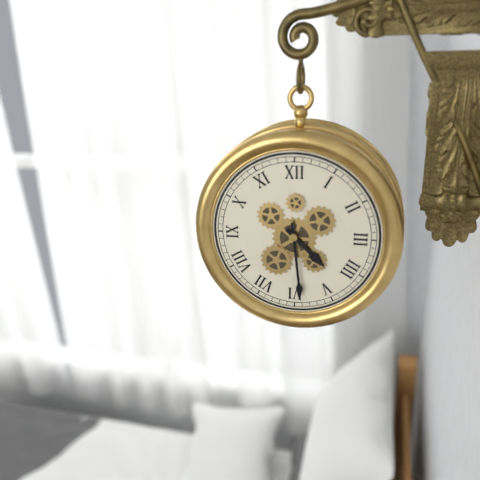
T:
4:29
